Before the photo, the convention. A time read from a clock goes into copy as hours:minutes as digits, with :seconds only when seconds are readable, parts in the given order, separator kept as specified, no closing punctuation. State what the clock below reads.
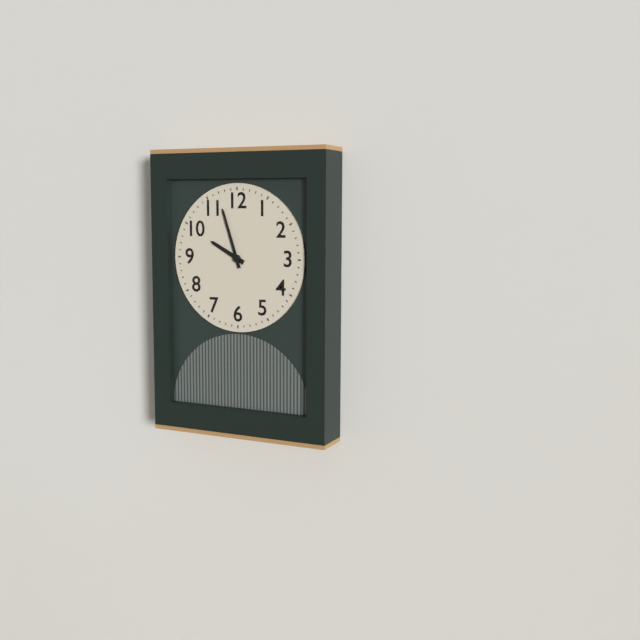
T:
9:57
